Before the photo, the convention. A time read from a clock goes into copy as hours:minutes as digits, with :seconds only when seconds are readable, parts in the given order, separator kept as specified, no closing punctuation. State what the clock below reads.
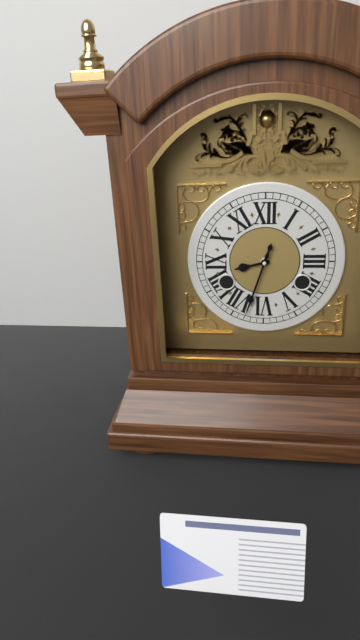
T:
8:33
